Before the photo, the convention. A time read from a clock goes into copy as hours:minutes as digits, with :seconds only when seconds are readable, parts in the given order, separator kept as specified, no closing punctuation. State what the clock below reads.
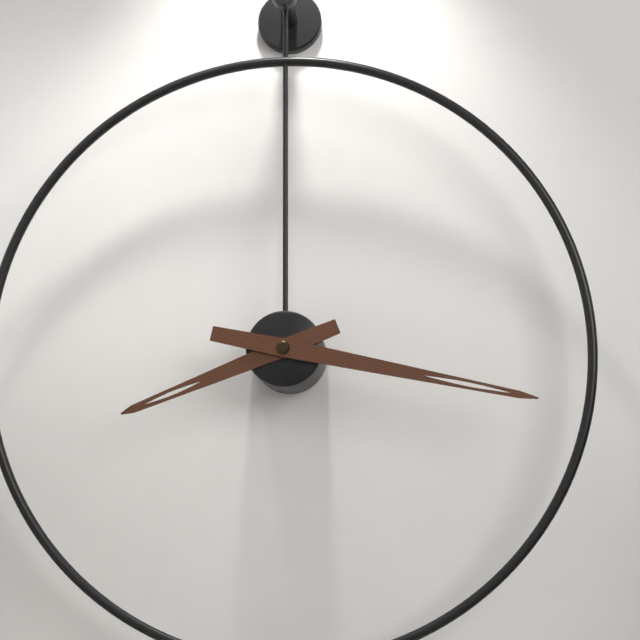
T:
8:17
